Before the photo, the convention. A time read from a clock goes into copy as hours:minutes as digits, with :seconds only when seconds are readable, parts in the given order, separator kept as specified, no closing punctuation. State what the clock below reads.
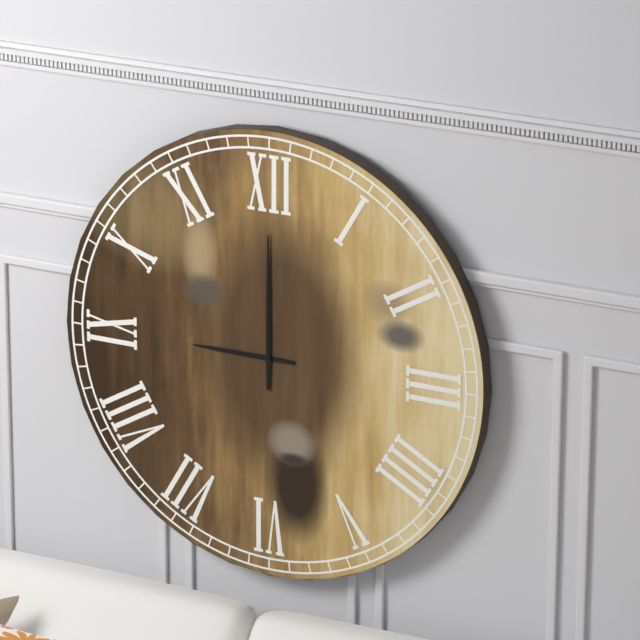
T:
9:00
